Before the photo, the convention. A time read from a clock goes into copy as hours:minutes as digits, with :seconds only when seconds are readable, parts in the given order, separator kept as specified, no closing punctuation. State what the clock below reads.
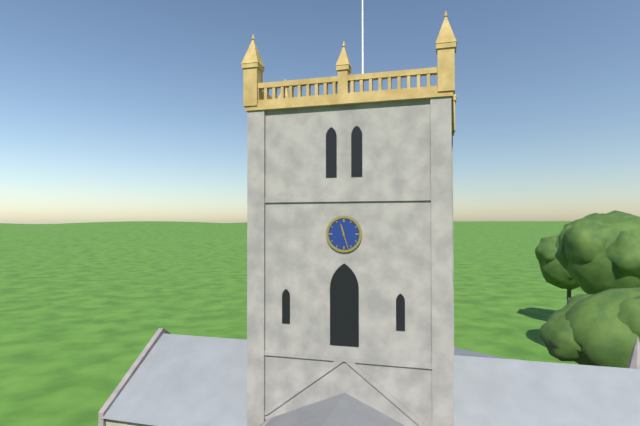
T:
11:27
